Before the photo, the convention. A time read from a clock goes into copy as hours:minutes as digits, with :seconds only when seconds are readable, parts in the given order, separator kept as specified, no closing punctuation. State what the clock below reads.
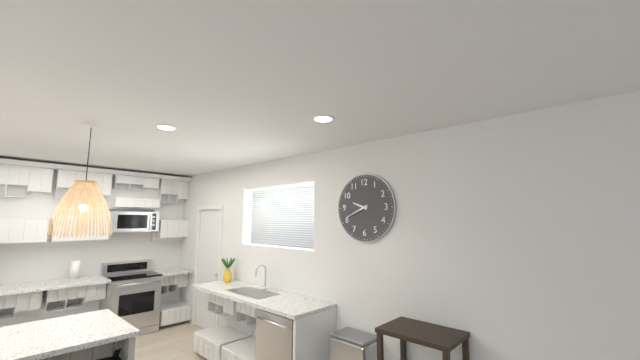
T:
9:41
